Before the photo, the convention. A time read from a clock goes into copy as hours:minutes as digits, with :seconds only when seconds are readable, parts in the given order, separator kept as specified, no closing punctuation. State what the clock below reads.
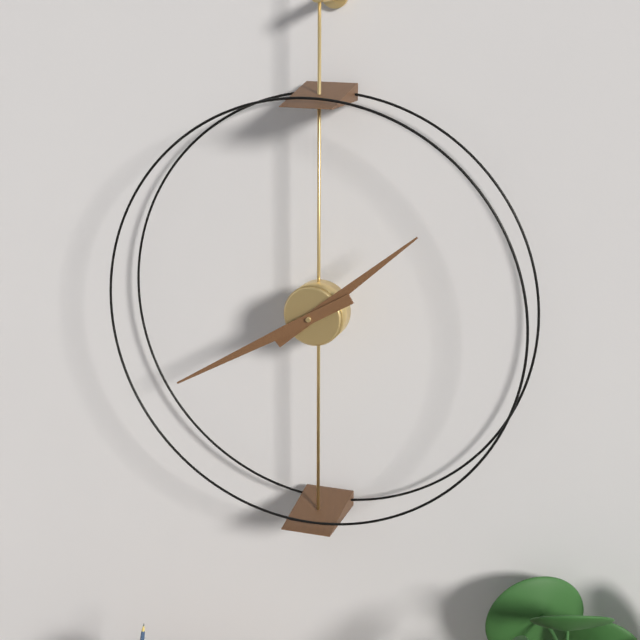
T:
1:40
